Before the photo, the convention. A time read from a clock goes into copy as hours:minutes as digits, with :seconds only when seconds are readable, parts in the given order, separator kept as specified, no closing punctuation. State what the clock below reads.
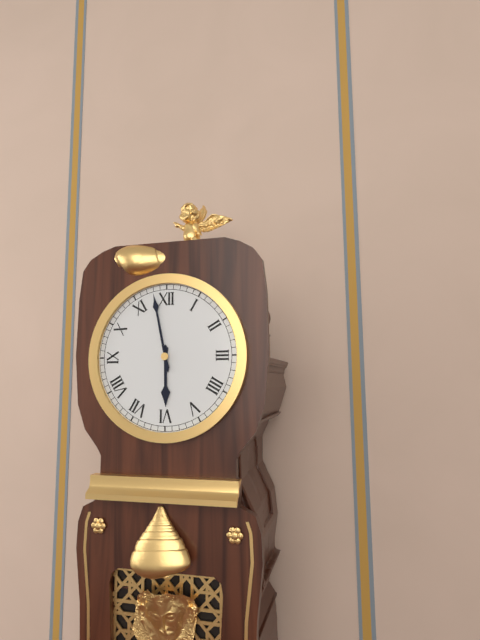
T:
5:58
